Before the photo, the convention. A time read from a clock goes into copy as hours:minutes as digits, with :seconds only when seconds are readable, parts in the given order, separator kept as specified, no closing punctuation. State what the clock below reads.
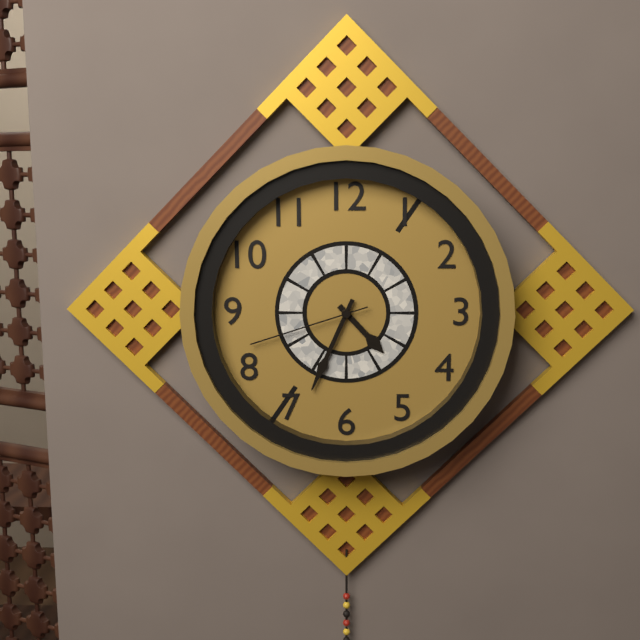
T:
4:34:42
